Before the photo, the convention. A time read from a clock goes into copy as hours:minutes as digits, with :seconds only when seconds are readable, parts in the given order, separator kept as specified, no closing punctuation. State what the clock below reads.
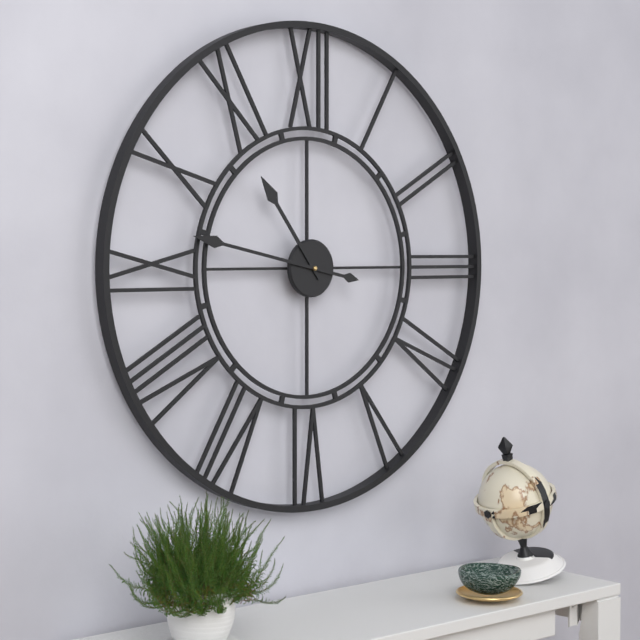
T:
10:47
